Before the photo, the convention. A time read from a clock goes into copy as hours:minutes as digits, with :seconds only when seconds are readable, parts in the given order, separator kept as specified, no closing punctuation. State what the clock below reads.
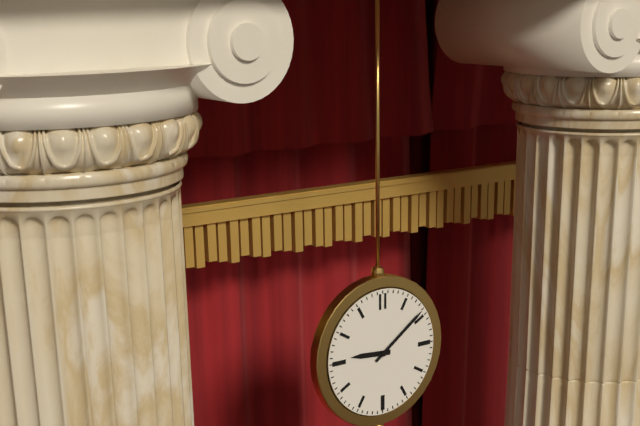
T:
9:09
